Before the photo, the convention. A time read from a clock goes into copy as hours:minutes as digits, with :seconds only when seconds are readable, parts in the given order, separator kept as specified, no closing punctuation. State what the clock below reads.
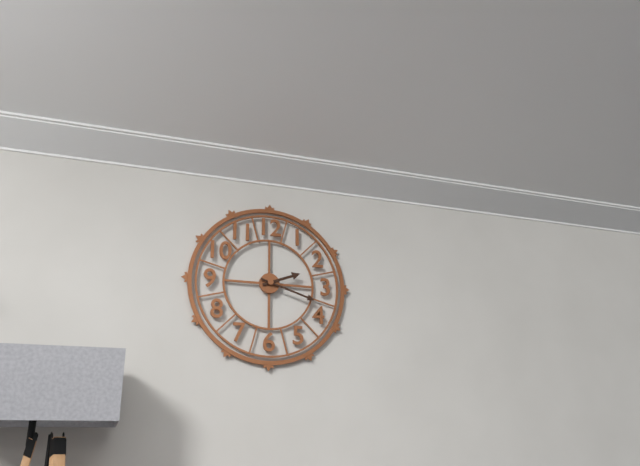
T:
2:18
